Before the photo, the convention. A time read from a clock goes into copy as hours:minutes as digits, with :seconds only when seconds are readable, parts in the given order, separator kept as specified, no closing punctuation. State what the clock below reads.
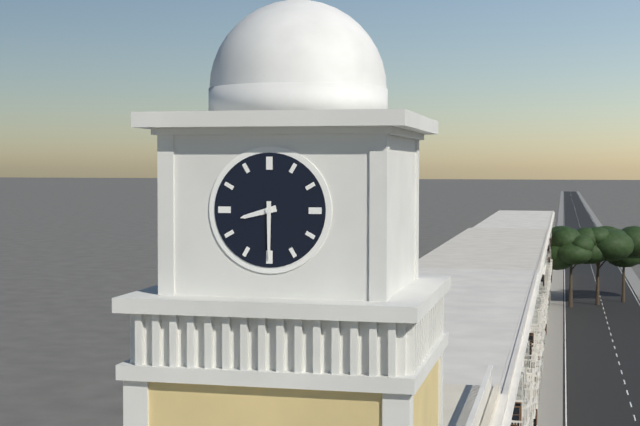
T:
8:30
